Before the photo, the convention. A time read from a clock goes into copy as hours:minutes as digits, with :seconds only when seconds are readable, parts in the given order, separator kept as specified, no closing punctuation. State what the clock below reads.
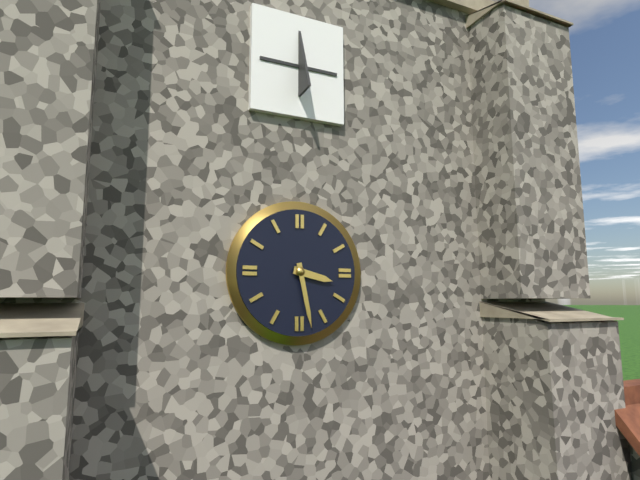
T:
3:28
